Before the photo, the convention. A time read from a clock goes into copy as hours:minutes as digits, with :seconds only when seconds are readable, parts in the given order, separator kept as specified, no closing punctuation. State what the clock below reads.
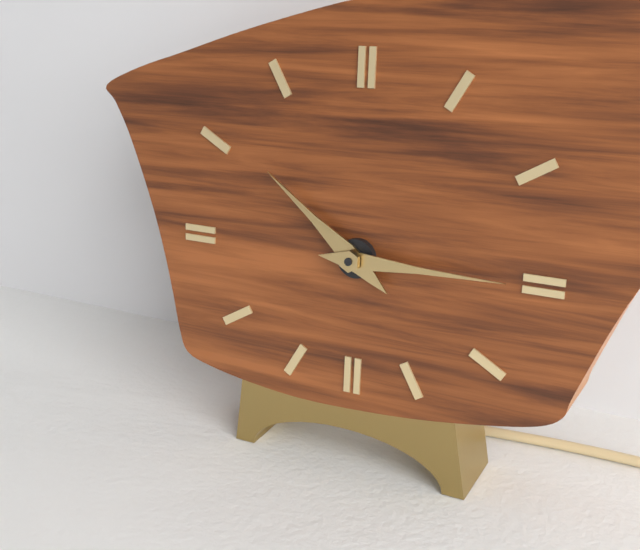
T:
10:15
